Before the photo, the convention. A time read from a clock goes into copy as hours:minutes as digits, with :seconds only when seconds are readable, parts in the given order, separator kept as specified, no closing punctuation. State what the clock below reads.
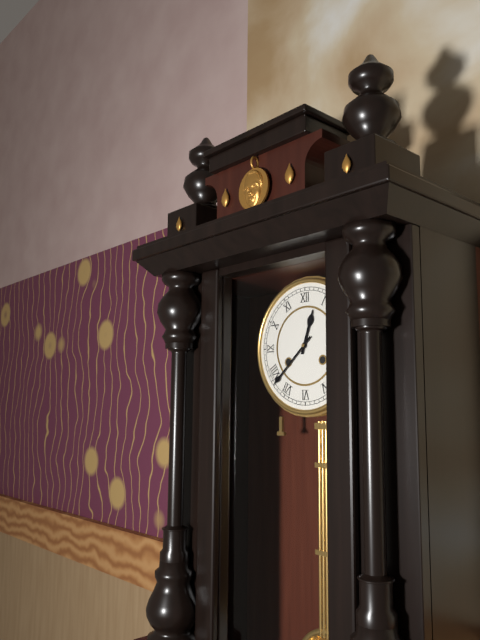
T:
12:38
